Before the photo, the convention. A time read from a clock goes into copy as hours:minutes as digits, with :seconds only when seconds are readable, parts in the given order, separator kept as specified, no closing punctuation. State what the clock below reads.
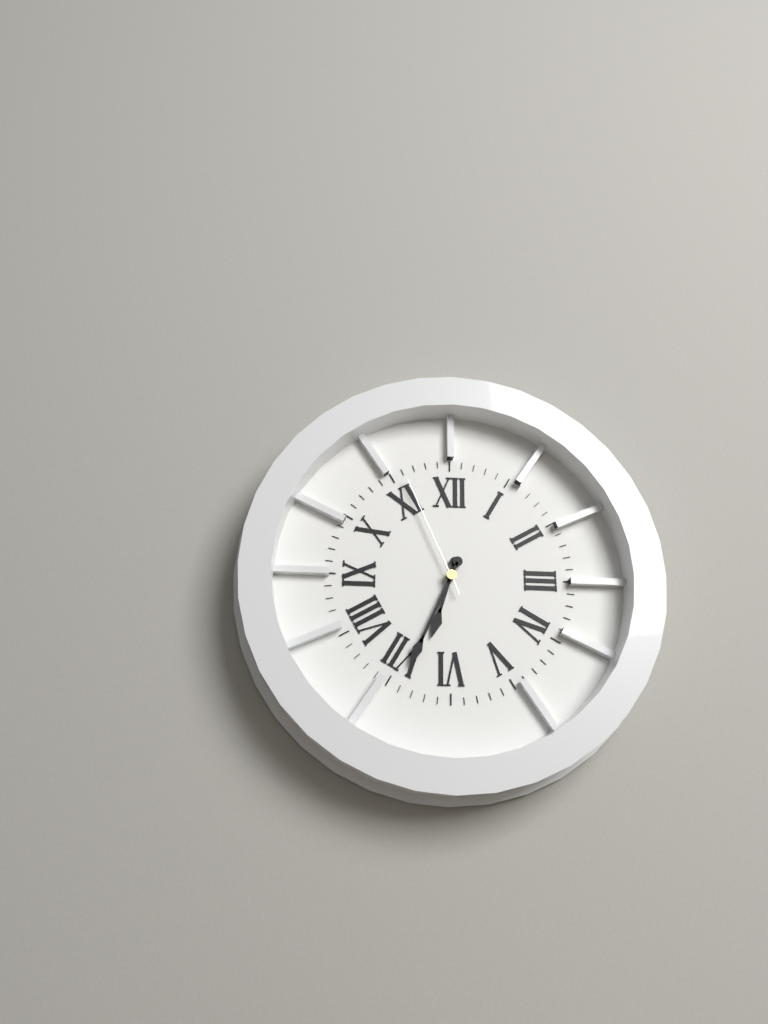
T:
6:34:56
